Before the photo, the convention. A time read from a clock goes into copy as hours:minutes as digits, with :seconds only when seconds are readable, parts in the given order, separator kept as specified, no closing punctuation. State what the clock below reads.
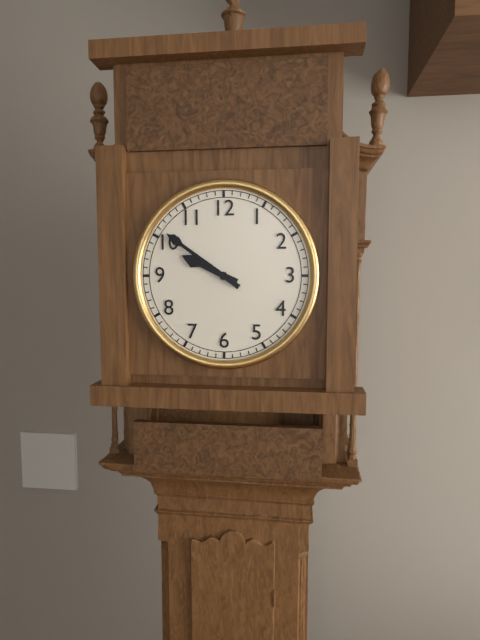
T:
9:51
